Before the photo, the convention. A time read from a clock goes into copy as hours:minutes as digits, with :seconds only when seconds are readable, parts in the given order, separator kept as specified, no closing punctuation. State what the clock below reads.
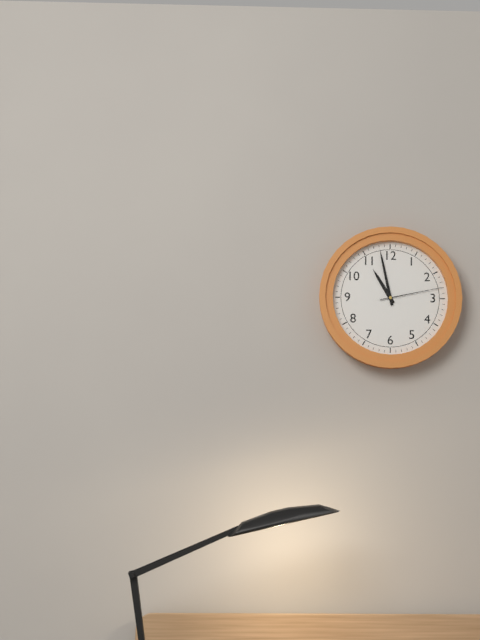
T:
10:58:13
